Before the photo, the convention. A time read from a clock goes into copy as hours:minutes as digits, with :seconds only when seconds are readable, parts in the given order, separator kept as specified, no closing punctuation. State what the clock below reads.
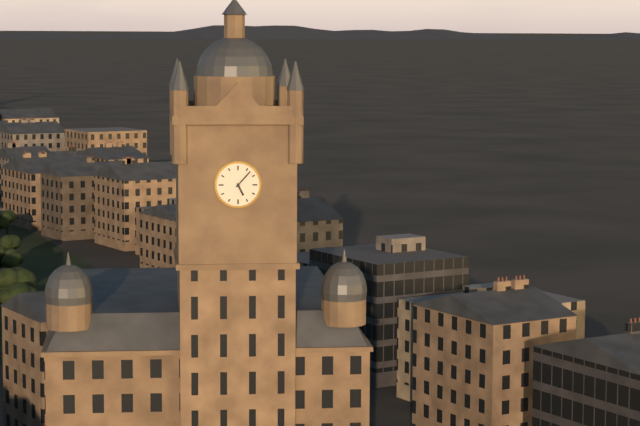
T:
5:07
